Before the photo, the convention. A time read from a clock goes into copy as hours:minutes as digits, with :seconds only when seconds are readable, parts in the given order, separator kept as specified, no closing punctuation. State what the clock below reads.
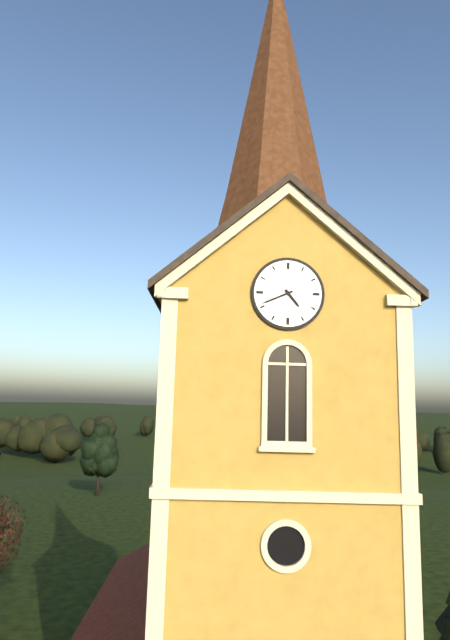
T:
4:41
